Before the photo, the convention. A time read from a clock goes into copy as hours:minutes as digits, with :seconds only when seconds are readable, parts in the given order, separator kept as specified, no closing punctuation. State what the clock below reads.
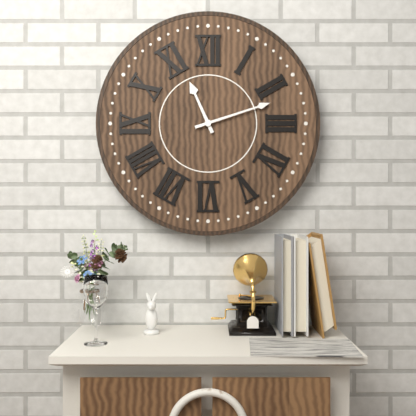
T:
11:12
